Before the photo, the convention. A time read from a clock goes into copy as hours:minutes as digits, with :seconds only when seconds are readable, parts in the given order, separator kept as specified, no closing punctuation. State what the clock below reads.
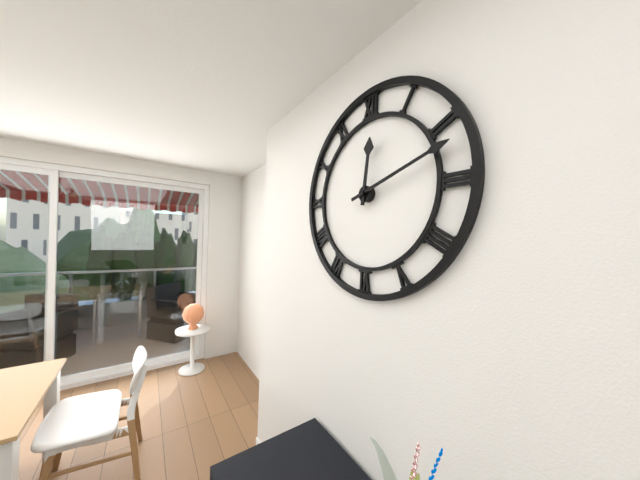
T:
12:12
